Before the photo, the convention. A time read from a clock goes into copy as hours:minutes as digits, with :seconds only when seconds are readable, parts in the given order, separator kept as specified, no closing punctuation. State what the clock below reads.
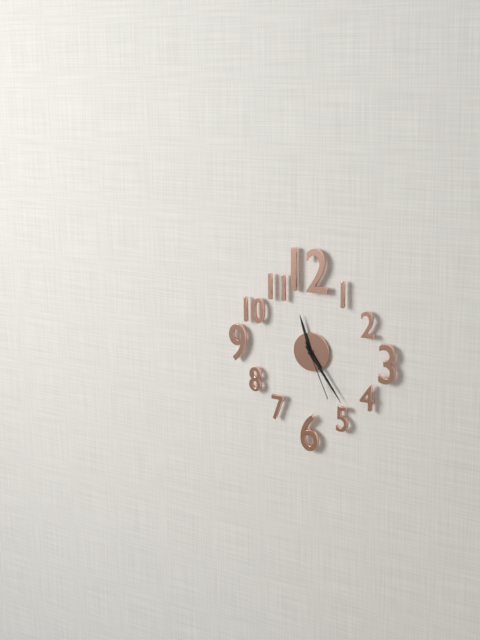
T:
11:24:26
